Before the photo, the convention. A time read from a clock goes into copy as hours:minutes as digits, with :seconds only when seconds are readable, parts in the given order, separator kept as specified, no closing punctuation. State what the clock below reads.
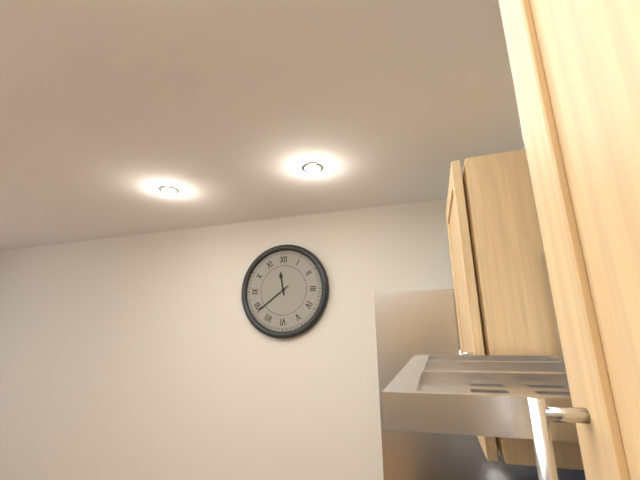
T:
11:39
